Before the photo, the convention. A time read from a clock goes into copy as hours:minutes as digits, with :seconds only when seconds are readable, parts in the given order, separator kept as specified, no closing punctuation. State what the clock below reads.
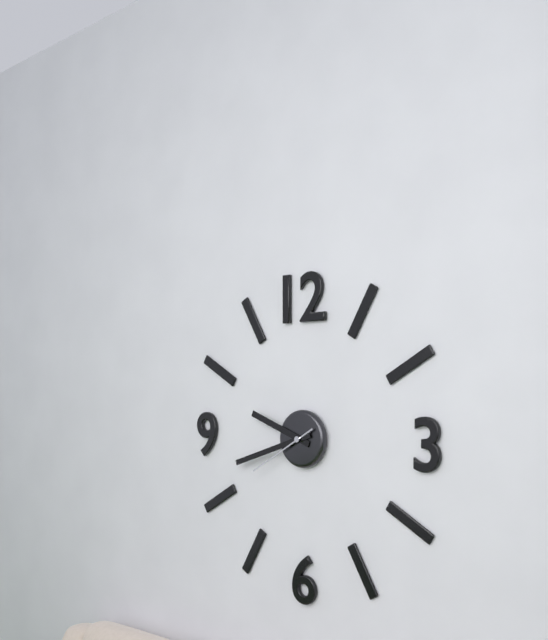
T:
9:42:40
